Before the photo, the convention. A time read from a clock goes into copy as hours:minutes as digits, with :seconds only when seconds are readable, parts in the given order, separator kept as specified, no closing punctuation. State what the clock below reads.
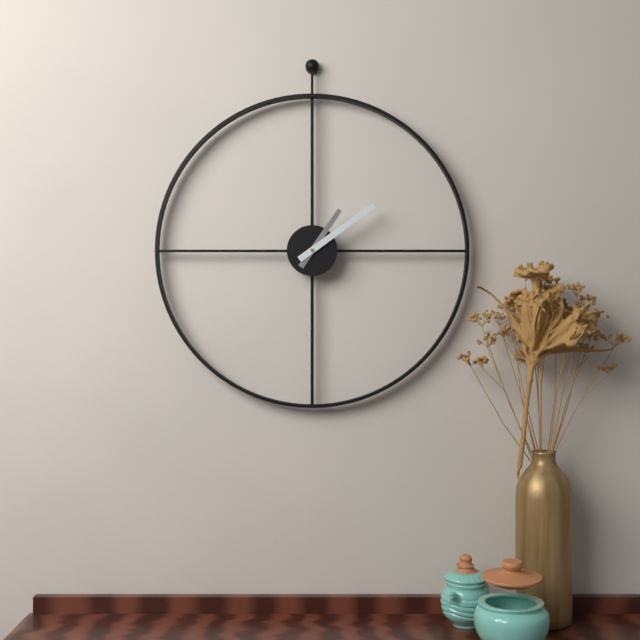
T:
1:09
